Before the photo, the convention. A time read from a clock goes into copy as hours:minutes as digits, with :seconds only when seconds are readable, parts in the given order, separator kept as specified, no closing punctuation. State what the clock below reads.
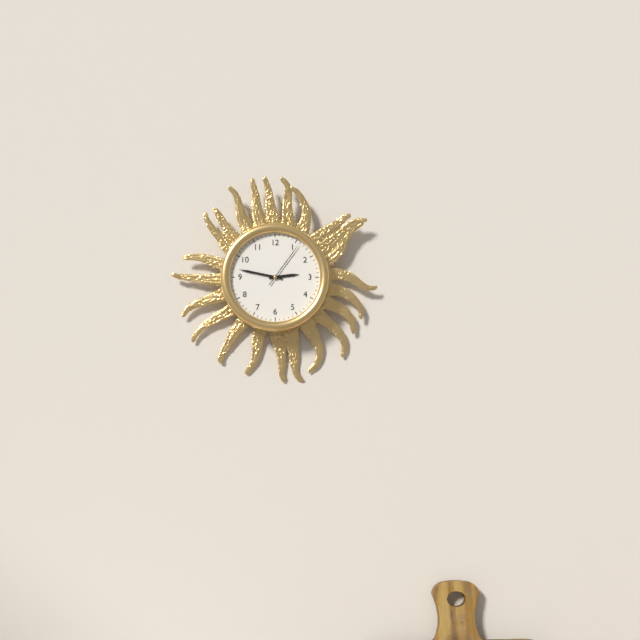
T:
2:47
